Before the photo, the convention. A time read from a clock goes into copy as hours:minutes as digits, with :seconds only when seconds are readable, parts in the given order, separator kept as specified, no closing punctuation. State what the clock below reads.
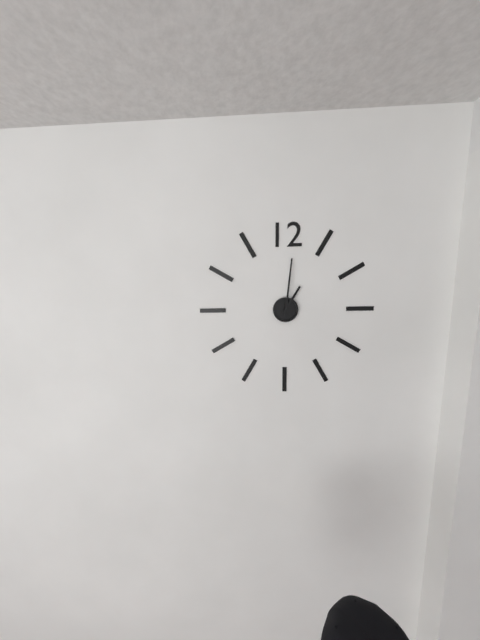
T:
1:01
